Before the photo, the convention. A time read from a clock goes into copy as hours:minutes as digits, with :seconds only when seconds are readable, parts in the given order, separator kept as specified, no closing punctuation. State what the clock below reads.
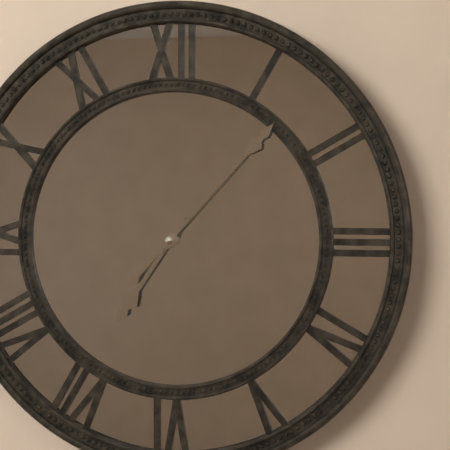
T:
7:07
